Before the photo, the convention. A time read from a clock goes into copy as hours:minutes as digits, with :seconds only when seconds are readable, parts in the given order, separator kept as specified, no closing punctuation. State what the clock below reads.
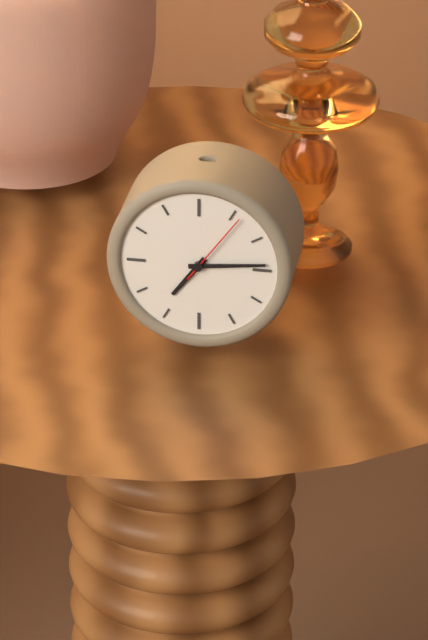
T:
7:14:06
